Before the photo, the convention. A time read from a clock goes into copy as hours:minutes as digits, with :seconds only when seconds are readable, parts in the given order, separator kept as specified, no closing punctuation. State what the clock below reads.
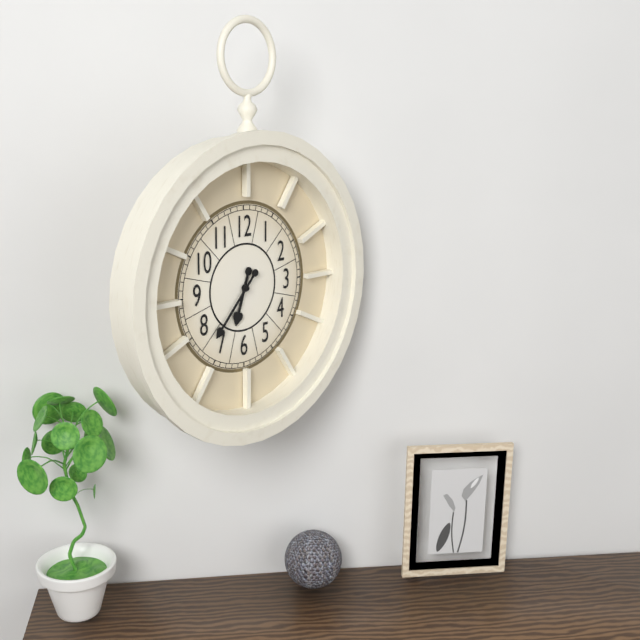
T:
6:37
